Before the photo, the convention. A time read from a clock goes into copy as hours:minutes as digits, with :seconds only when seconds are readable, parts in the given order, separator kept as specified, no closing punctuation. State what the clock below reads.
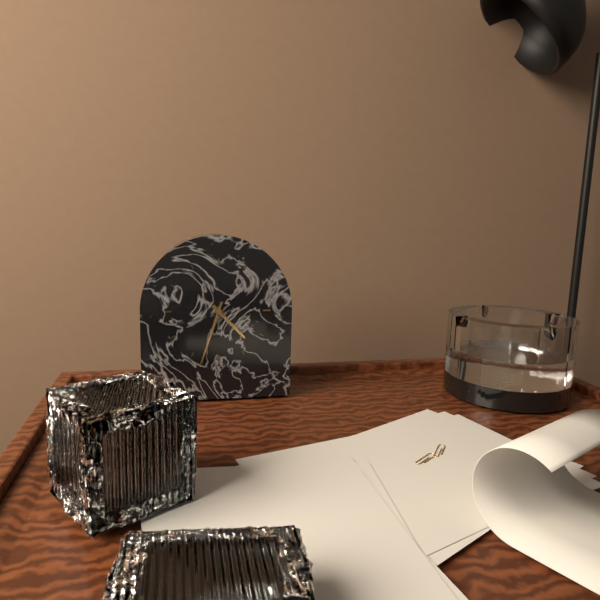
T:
4:33
